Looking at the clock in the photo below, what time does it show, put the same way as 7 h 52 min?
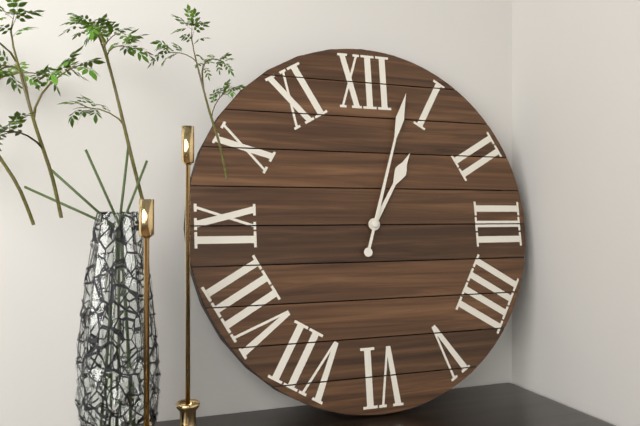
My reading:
1 h 03 min
